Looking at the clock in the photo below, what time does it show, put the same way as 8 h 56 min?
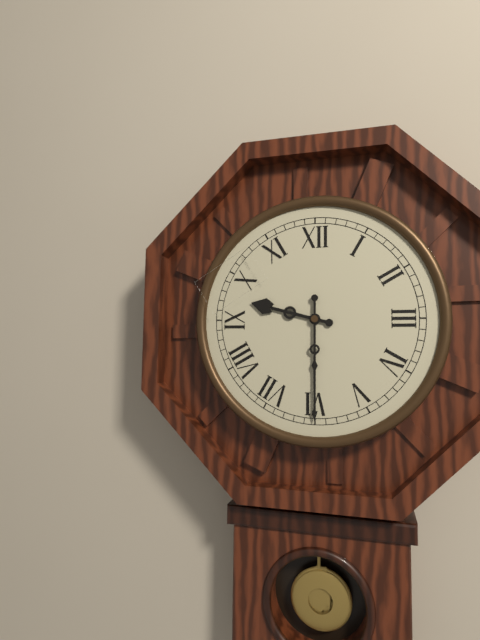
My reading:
9 h 30 min
